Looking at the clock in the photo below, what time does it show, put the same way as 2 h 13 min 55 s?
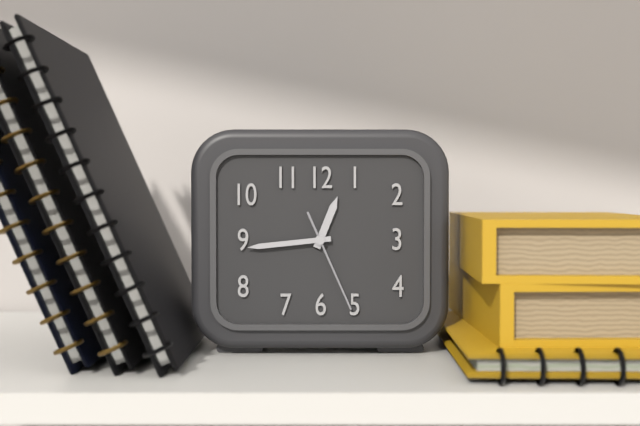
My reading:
12 h 44 min 26 s
